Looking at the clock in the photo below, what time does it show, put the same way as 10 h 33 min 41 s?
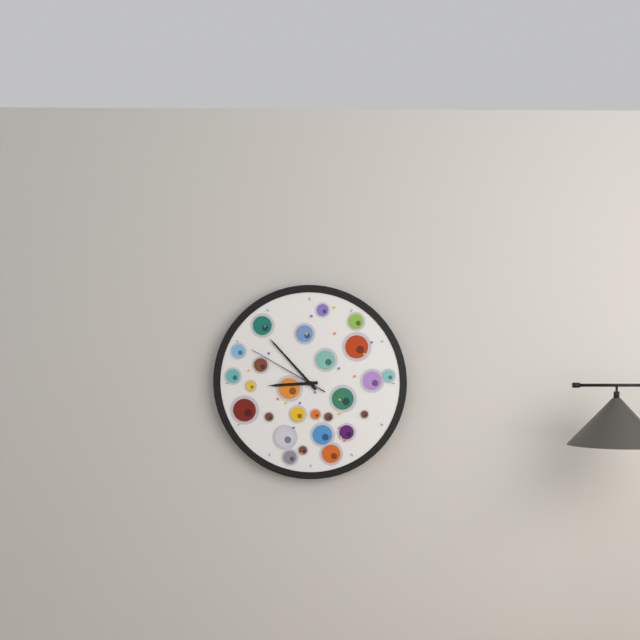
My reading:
8 h 53 min 50 s
